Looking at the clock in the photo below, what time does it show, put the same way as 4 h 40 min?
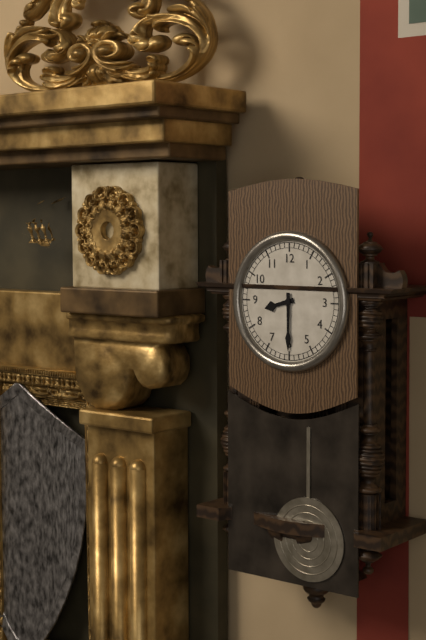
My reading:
8 h 30 min
